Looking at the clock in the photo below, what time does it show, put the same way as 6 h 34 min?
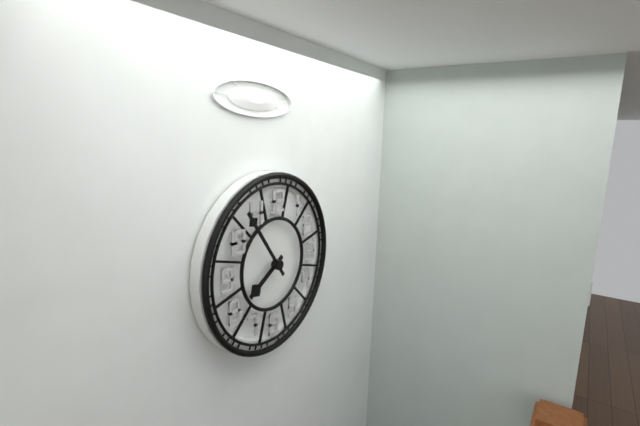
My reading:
7 h 54 min
